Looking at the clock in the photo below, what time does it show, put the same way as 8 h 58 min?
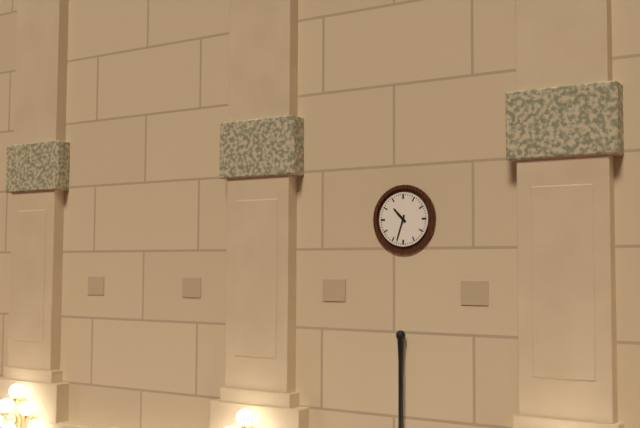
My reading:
10 h 33 min
